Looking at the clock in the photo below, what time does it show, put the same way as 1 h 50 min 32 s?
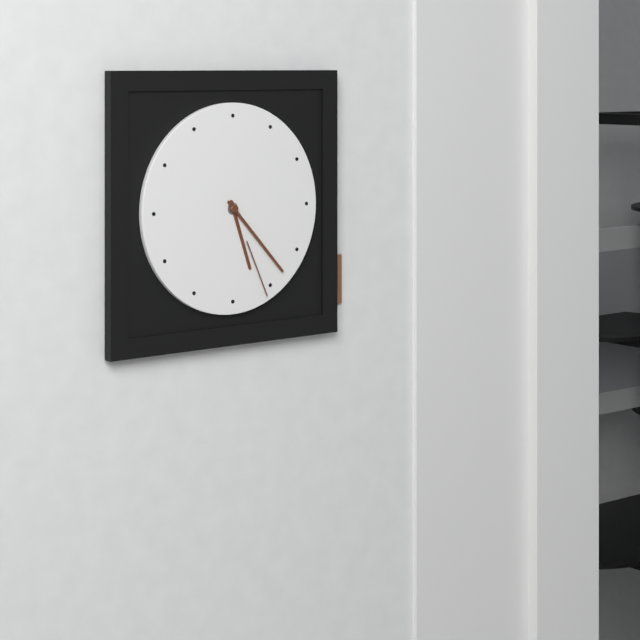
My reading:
5 h 23 min 26 s
